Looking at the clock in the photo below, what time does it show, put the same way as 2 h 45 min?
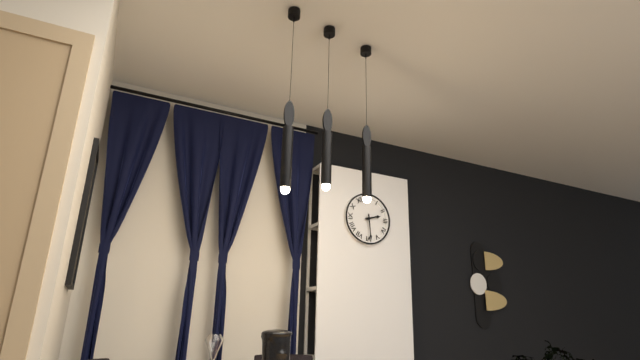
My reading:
2 h 29 min
